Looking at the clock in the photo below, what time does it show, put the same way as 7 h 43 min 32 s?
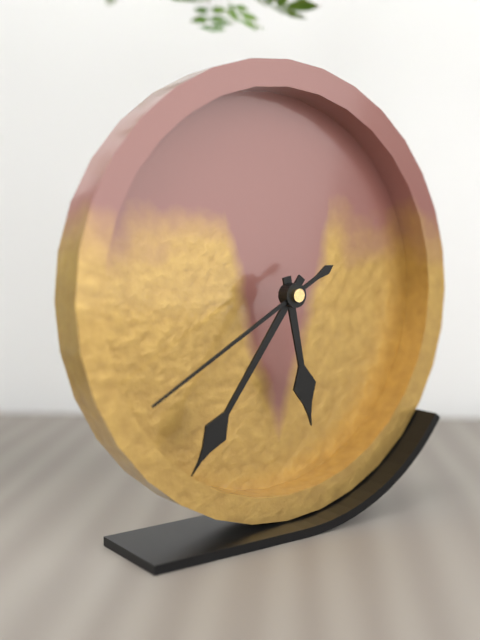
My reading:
5 h 36 min 40 s
